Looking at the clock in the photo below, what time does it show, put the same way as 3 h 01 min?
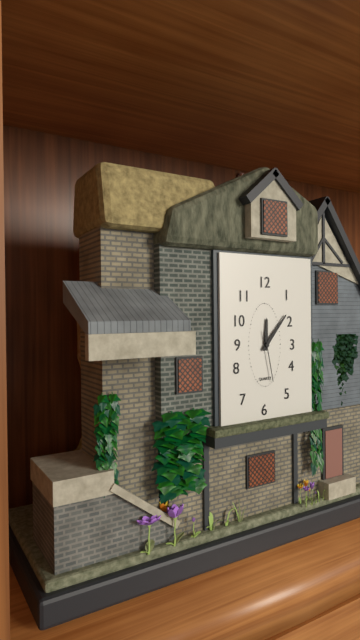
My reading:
12 h 07 min
